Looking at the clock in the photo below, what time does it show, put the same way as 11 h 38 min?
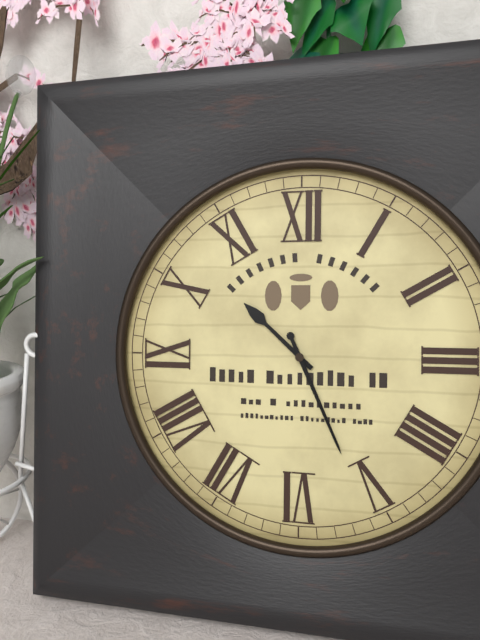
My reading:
10 h 26 min
